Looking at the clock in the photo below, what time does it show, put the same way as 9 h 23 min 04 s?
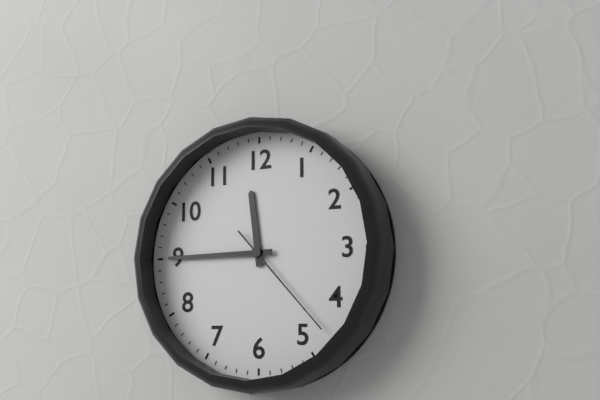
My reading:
11 h 45 min 23 s
